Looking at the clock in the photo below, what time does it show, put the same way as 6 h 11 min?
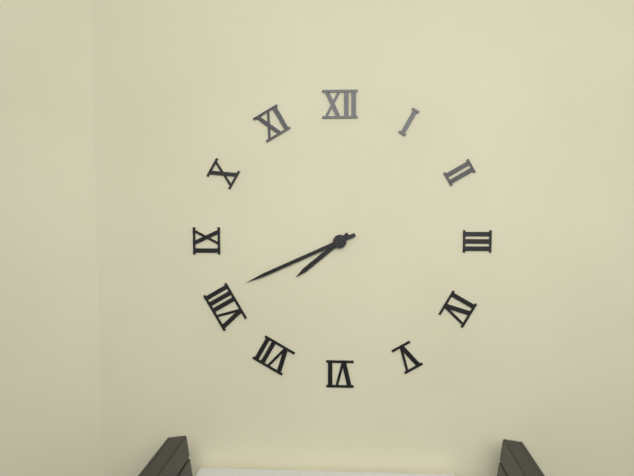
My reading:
7 h 41 min
